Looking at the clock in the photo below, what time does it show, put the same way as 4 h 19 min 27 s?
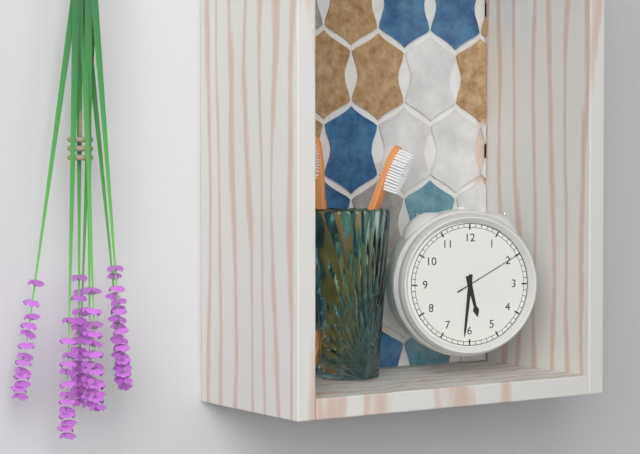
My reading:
5 h 31 min 10 s
